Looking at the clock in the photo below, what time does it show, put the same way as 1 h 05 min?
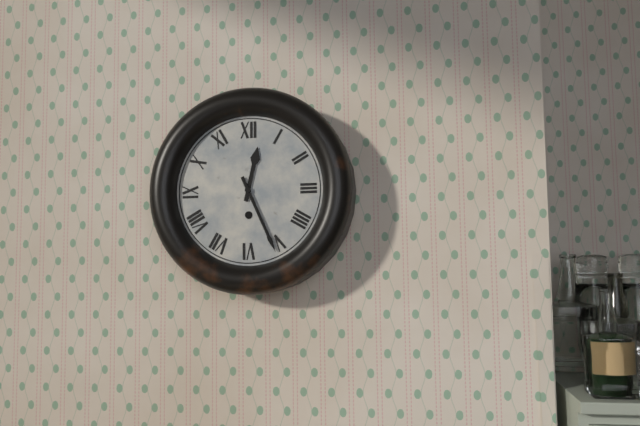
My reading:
12 h 26 min
